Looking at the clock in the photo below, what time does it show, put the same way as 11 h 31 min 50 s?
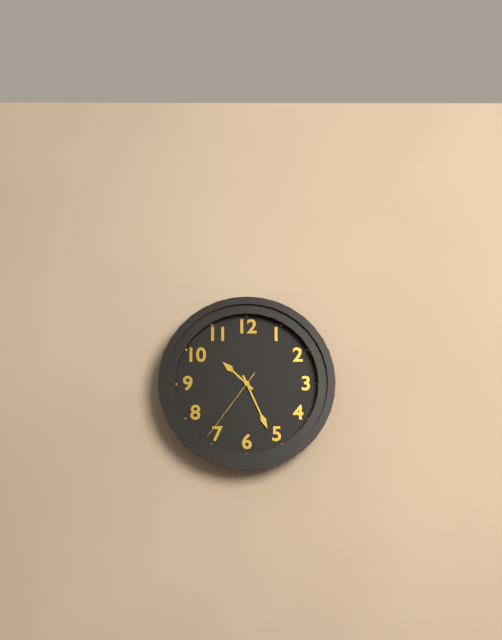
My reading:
10 h 26 min 36 s
